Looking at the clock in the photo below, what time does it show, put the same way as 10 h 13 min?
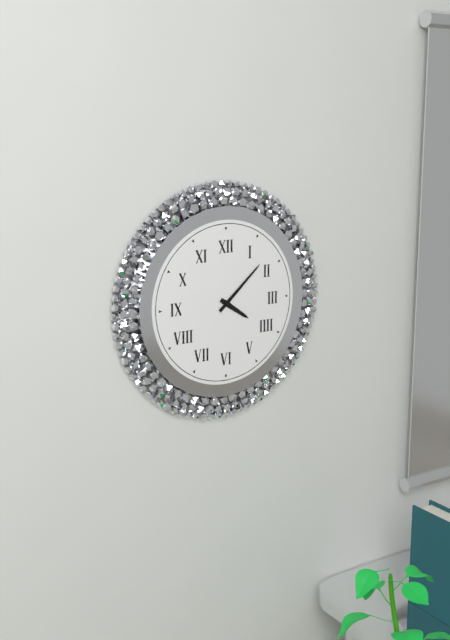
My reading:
4 h 08 min
